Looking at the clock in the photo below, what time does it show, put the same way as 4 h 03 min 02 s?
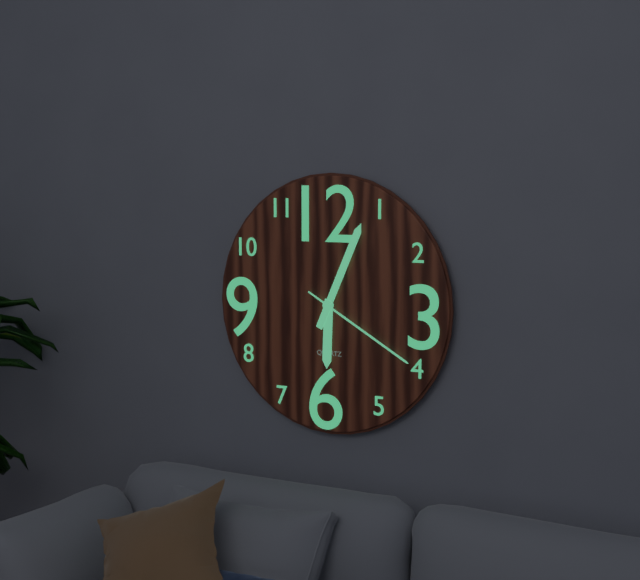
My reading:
6 h 04 min 20 s
